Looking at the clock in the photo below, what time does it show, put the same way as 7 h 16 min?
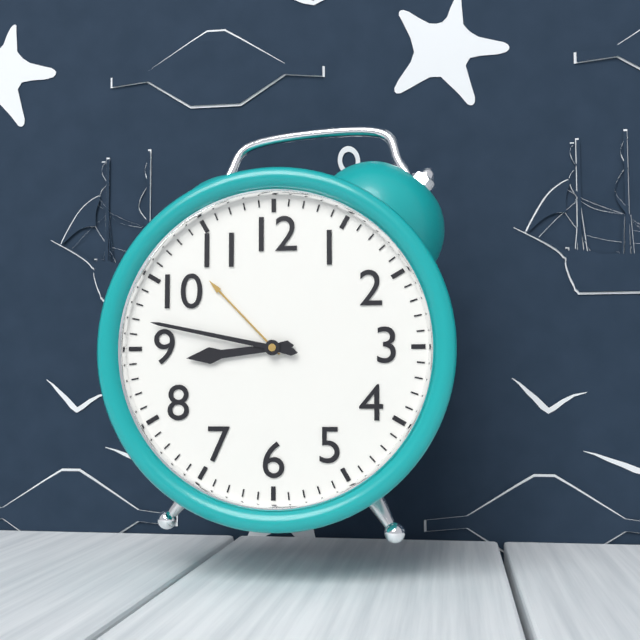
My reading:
8 h 47 min
